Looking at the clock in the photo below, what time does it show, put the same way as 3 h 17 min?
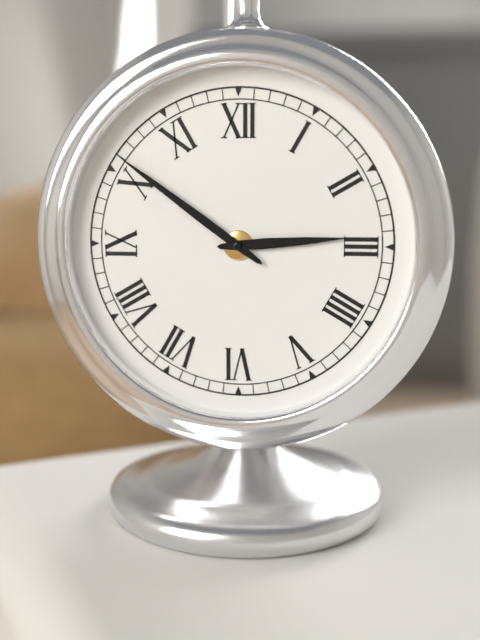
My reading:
2 h 51 min
